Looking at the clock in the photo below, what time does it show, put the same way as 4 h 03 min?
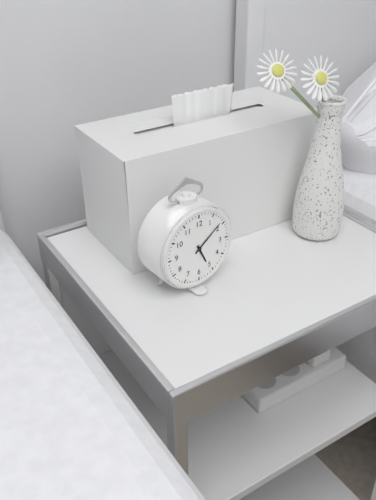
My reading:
5 h 09 min
